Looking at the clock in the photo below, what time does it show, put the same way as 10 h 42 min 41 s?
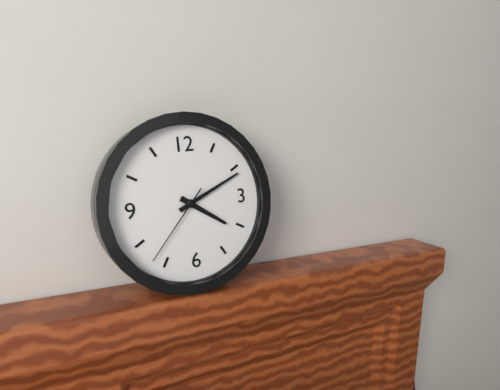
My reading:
4 h 11 min 37 s
